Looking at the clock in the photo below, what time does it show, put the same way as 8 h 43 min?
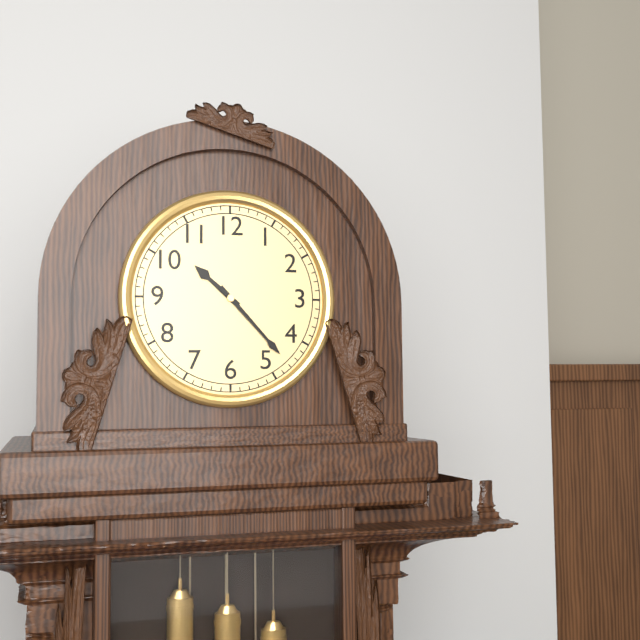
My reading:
10 h 23 min
